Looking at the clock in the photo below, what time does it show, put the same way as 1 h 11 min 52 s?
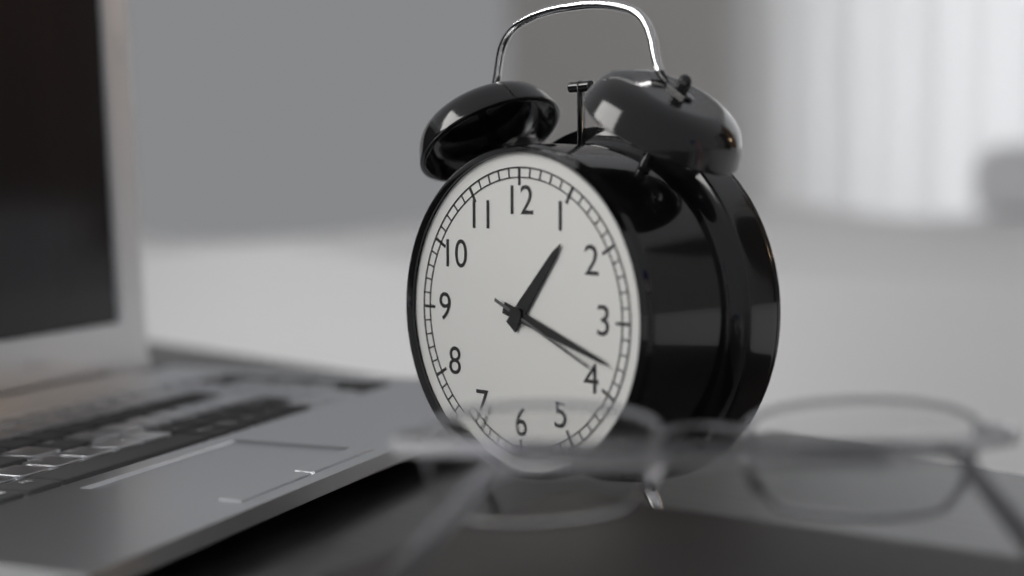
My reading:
1 h 18 min 19 s
